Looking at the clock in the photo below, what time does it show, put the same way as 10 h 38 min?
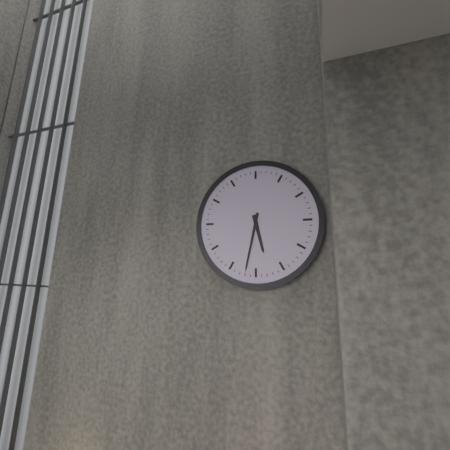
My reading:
5 h 32 min
